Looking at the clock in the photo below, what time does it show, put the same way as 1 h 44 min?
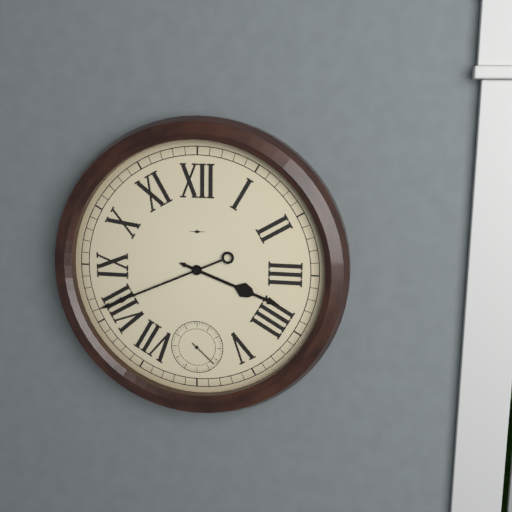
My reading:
3 h 41 min
